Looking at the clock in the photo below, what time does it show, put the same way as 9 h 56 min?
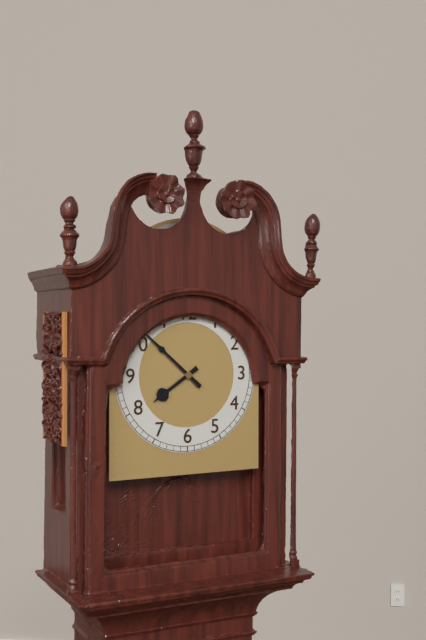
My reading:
7 h 52 min
